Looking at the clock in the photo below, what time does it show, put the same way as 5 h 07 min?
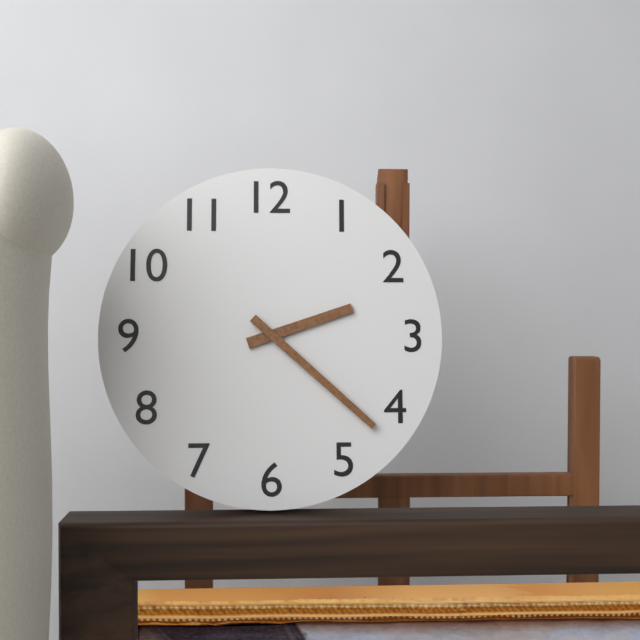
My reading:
2 h 22 min
